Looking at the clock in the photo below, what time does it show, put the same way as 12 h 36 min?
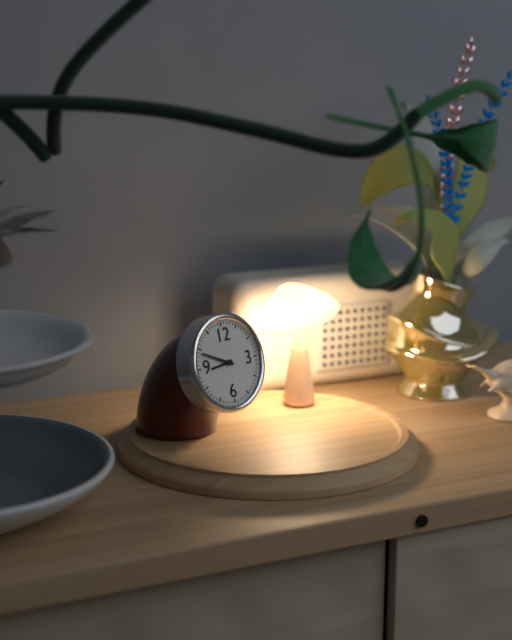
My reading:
8 h 49 min
